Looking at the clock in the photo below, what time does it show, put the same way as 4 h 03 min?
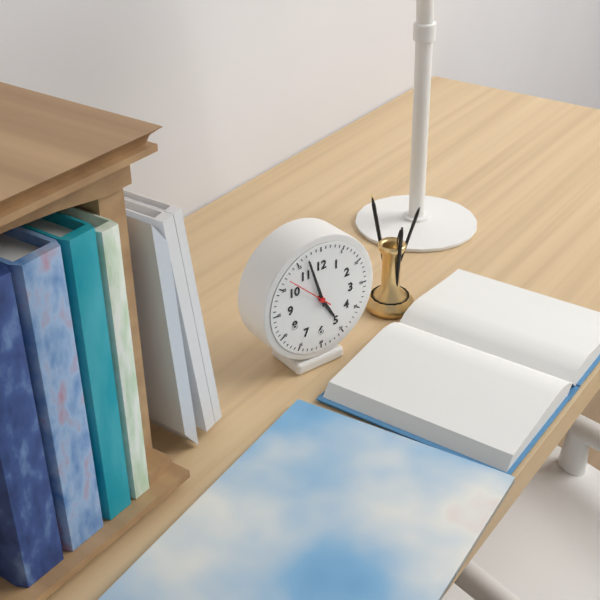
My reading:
4 h 57 min
